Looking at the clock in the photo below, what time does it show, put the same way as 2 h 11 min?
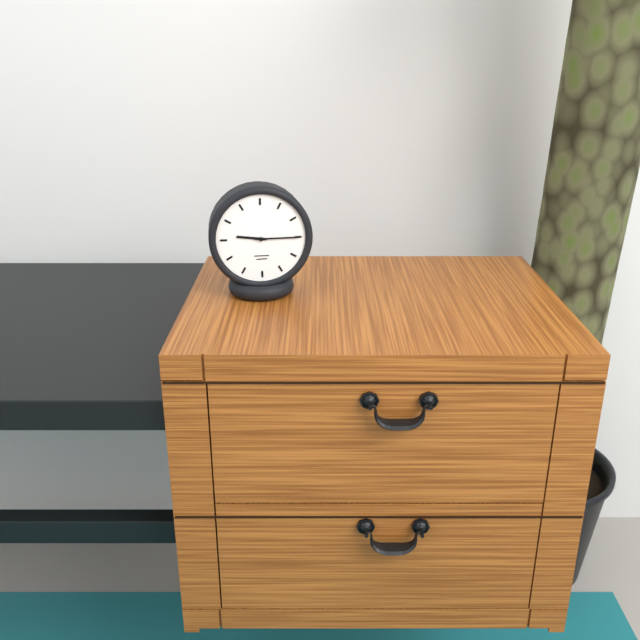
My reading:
9 h 15 min
